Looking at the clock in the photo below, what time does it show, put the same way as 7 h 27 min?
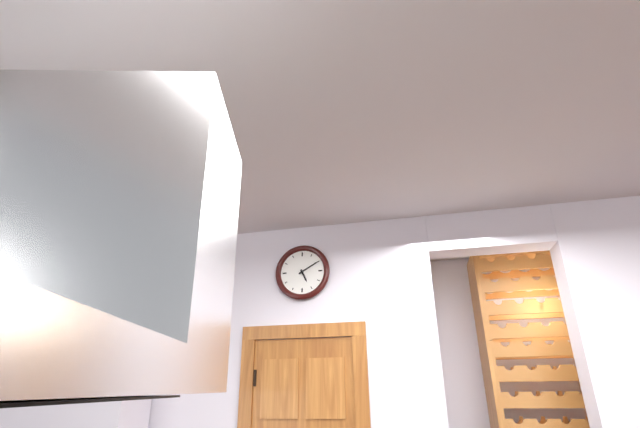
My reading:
5 h 10 min
